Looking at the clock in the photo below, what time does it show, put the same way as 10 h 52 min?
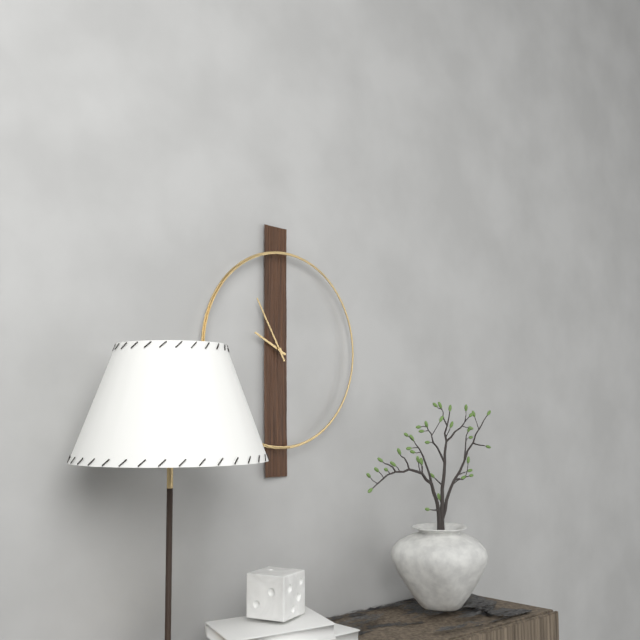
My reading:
9 h 55 min
